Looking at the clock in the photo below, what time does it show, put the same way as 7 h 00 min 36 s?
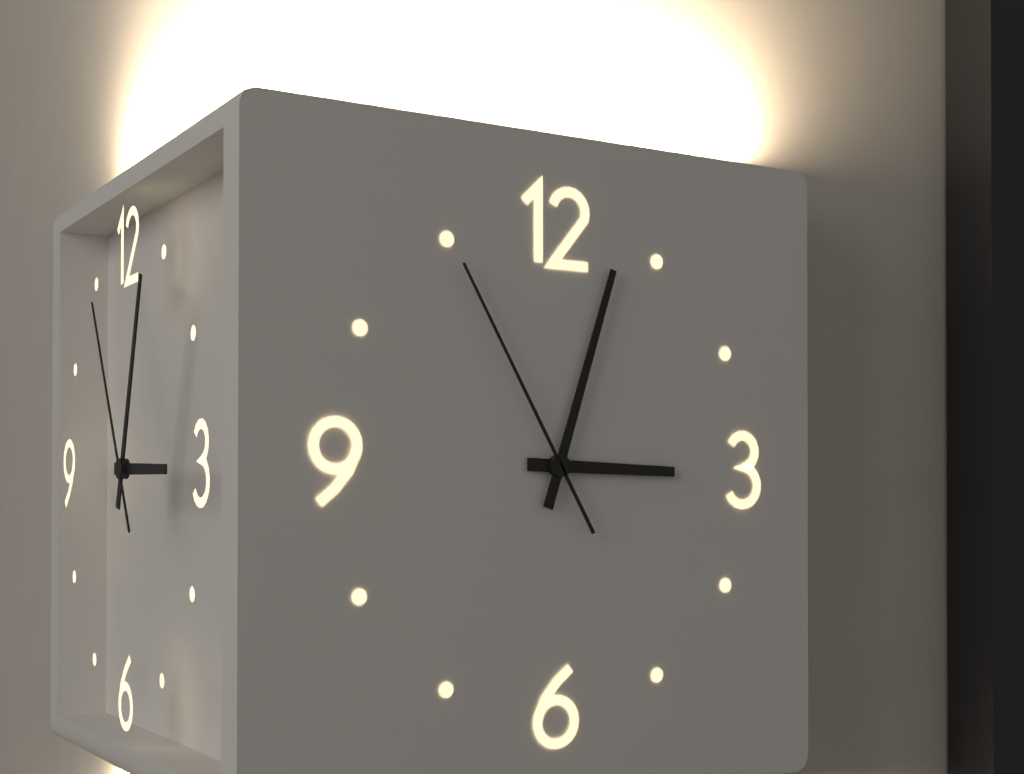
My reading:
3 h 03 min 55 s
